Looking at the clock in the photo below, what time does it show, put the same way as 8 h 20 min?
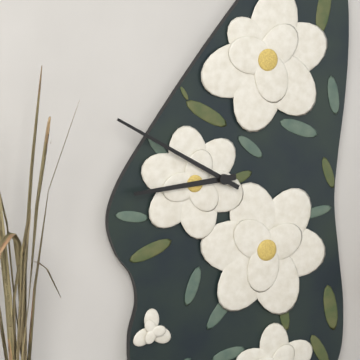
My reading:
8 h 50 min
